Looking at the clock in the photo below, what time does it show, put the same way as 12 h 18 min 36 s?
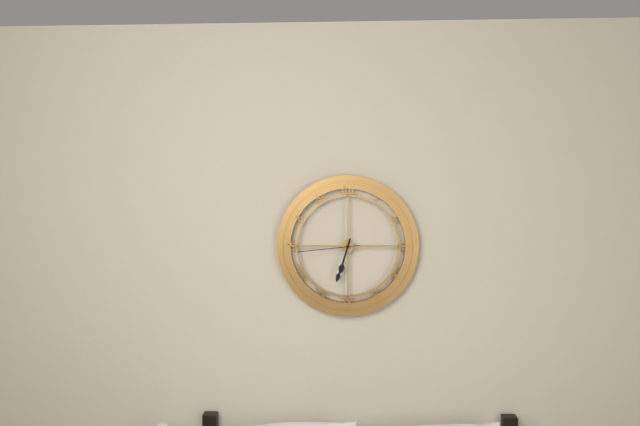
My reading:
6 h 33 min 44 s
